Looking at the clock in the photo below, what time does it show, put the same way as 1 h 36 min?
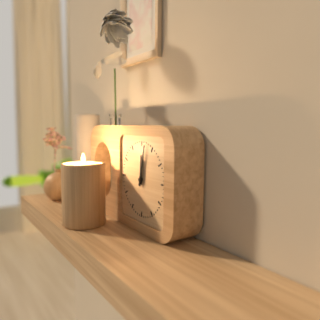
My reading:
12 h 02 min
